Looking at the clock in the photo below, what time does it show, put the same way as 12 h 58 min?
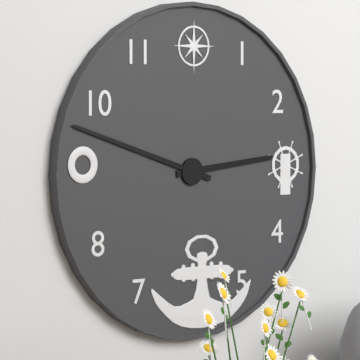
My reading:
2 h 48 min
